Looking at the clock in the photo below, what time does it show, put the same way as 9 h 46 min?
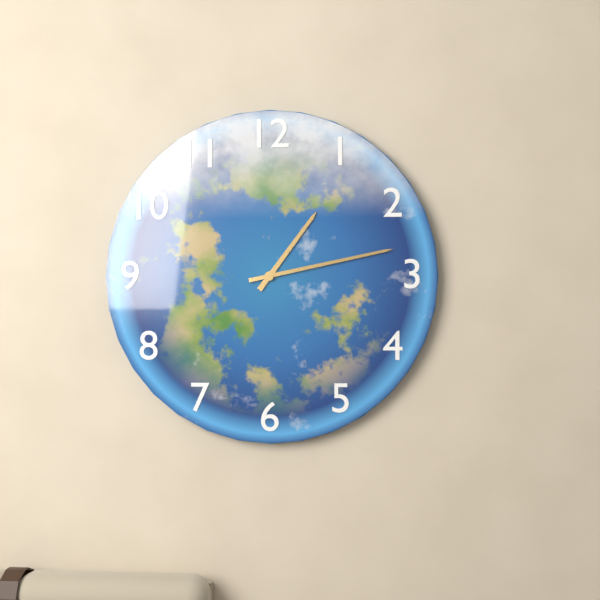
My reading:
1 h 13 min
